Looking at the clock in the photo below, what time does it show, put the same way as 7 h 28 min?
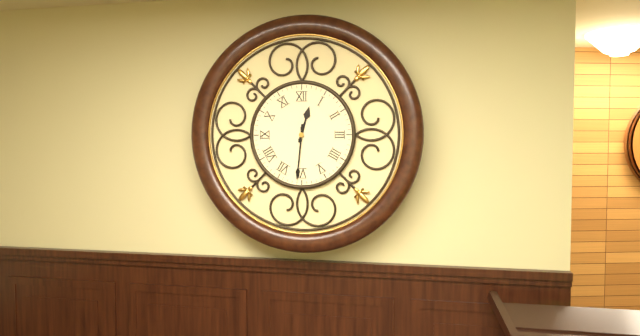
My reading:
12 h 31 min
